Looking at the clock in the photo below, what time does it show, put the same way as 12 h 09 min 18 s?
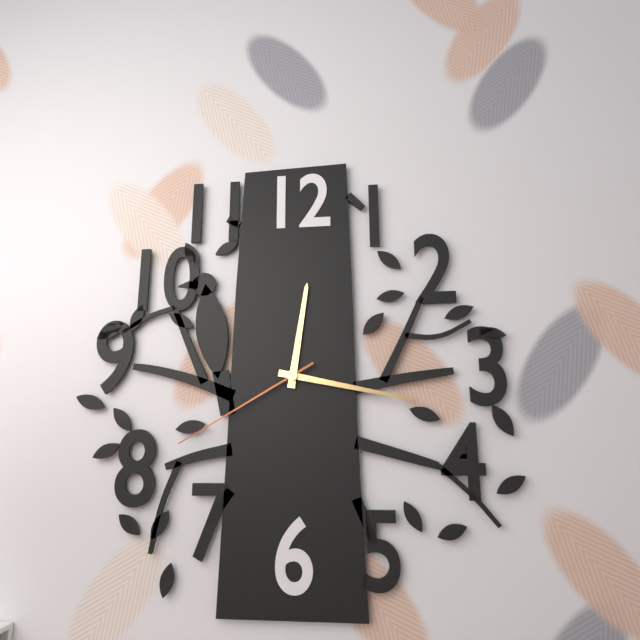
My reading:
12 h 17 min 40 s
